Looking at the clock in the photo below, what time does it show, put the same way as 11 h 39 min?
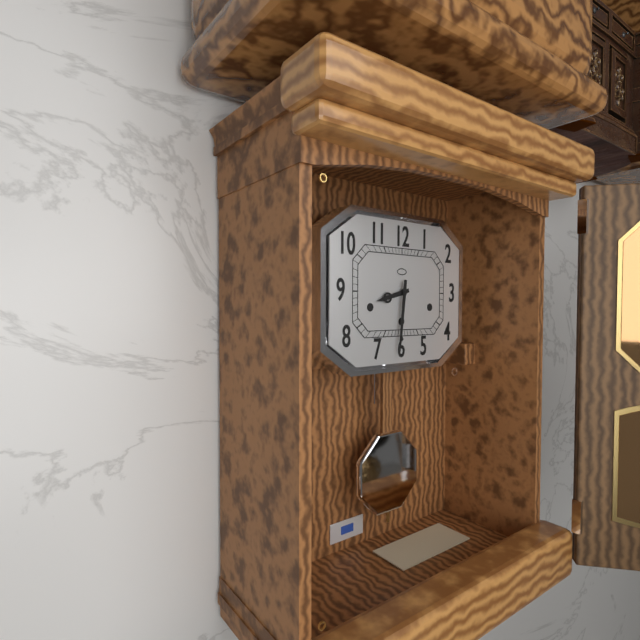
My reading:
8 h 31 min
